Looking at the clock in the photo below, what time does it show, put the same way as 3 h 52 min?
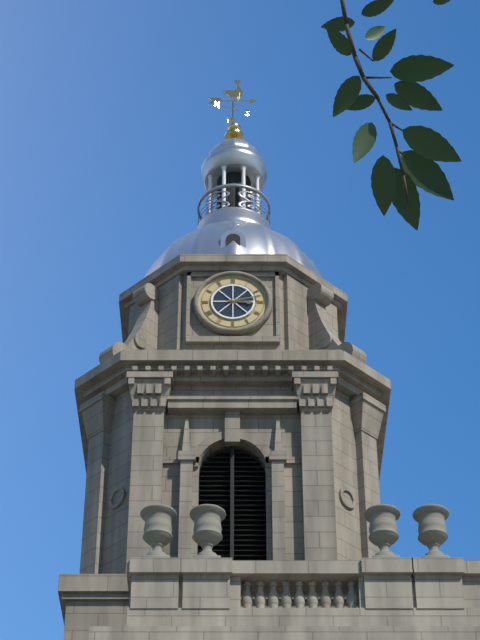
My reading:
3 h 13 min
